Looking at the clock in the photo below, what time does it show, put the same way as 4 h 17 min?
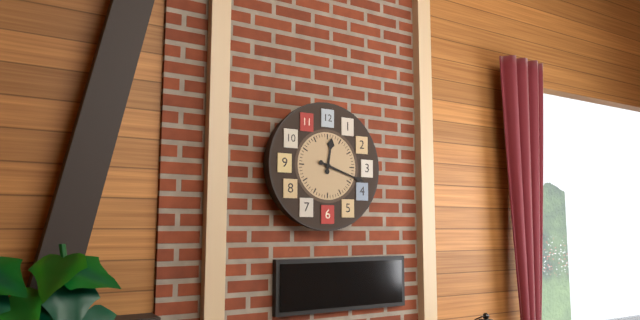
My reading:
12 h 18 min
